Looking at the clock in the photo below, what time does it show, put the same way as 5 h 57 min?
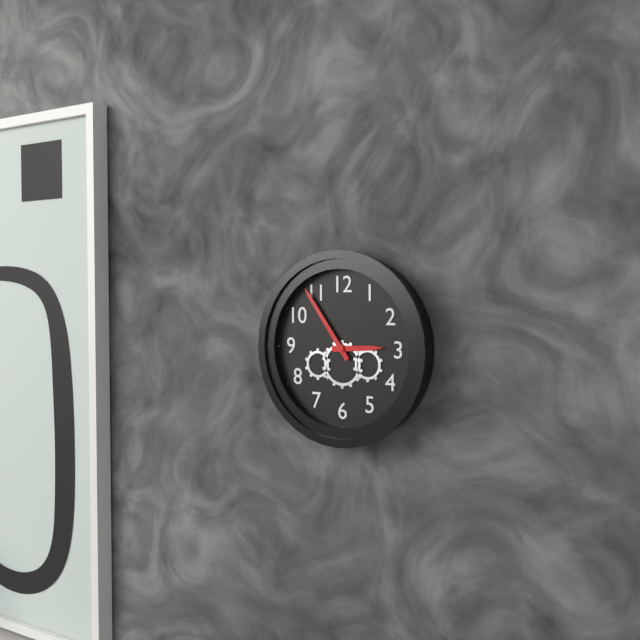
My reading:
2 h 54 min
